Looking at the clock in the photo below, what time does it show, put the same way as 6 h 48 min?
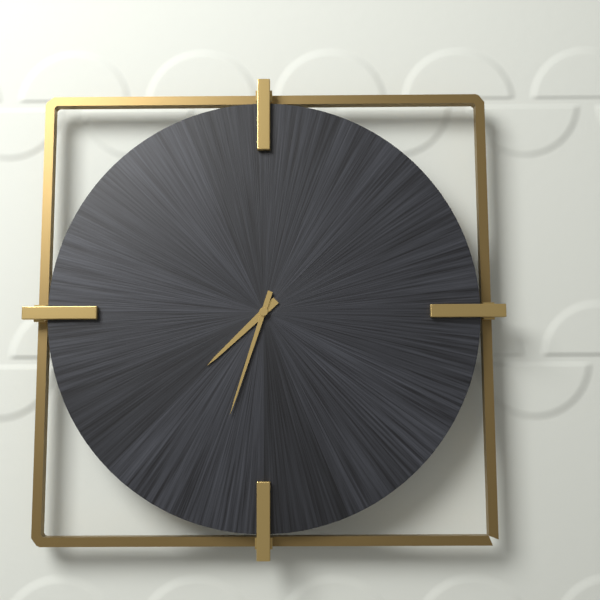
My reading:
7 h 33 min
